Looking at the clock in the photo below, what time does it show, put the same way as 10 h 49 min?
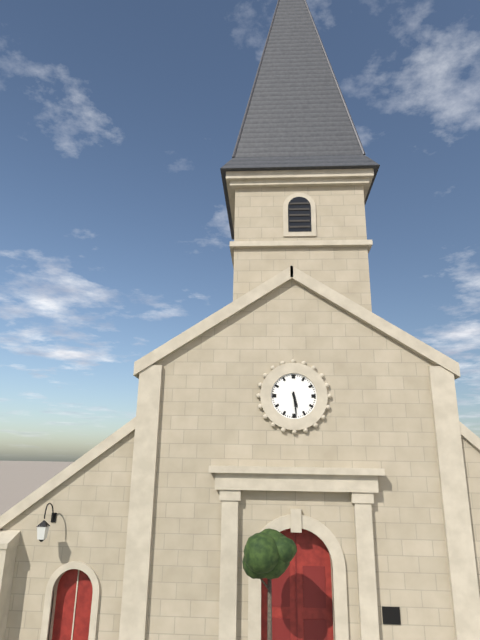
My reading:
5 h 29 min
